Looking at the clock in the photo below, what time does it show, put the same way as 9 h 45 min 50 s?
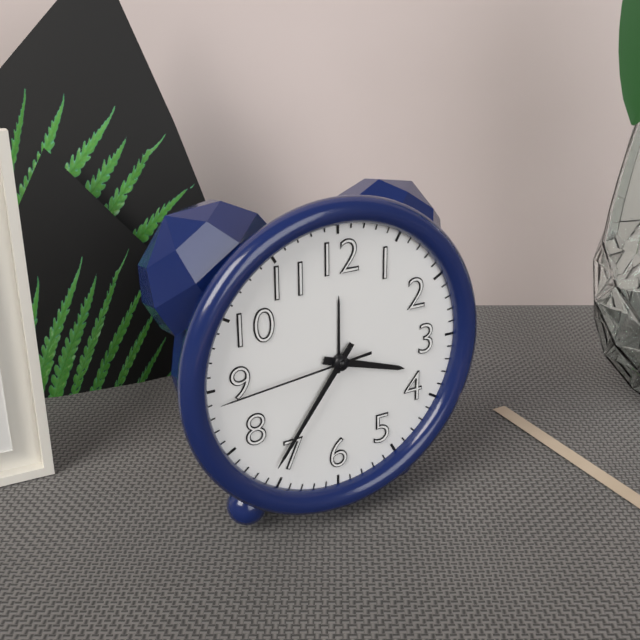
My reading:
3 h 36 min 44 s
